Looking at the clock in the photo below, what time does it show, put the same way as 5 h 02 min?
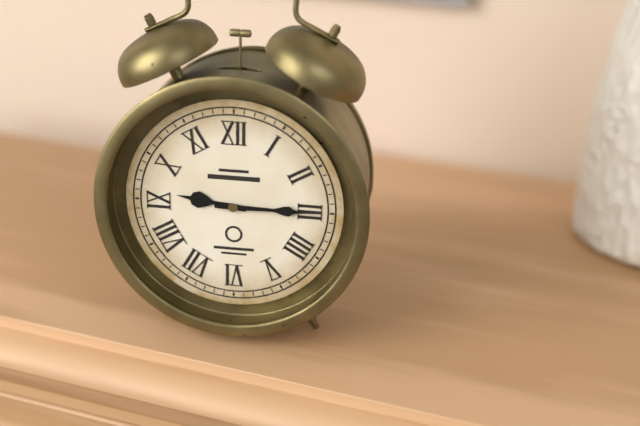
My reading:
9 h 15 min
